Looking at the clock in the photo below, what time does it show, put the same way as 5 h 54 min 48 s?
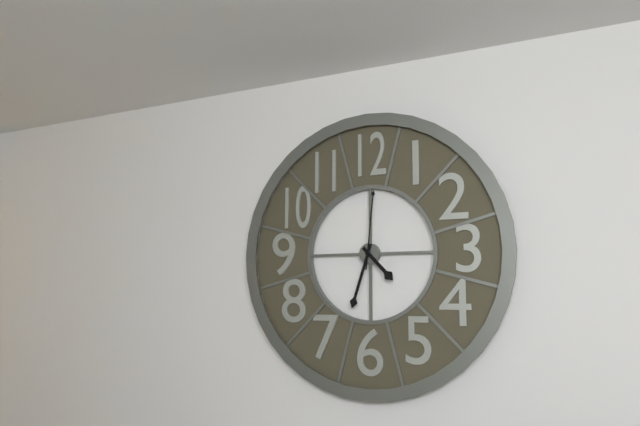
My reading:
4 h 33 min 01 s
